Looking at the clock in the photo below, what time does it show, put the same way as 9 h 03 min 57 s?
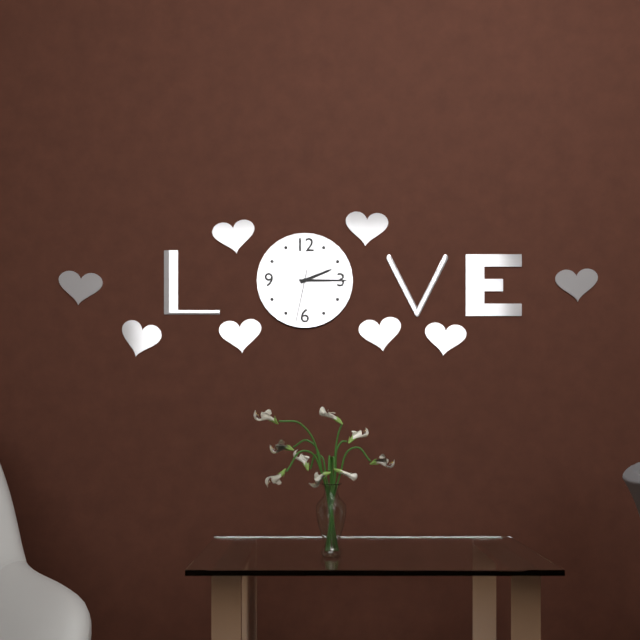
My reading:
2 h 15 min 32 s
